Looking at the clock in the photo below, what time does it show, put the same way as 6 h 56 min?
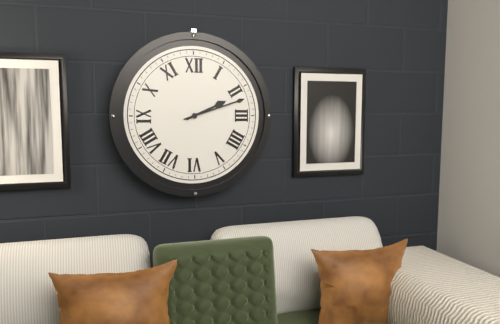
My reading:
2 h 12 min
